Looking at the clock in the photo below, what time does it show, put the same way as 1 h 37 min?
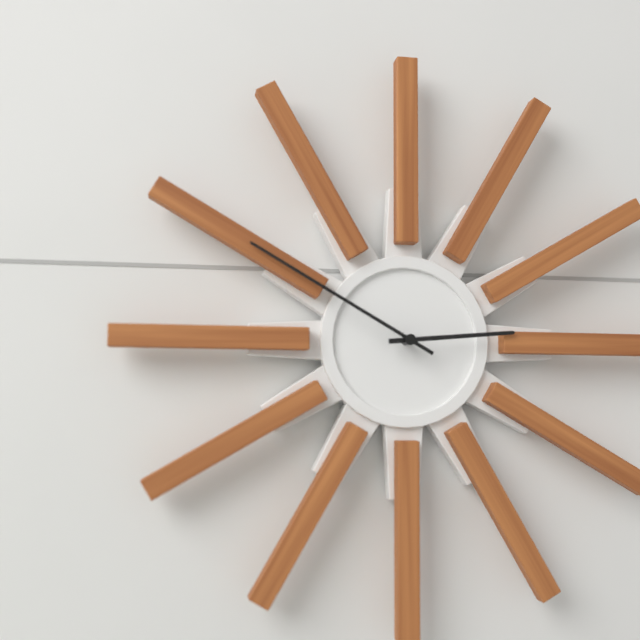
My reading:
2 h 50 min
